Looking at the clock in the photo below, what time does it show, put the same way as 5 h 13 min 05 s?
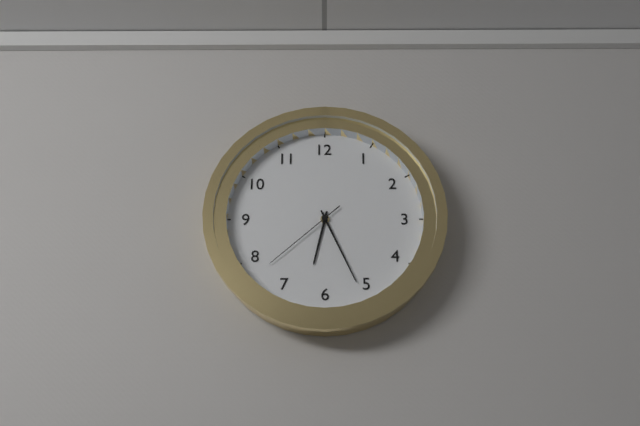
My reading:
6 h 26 min 38 s
